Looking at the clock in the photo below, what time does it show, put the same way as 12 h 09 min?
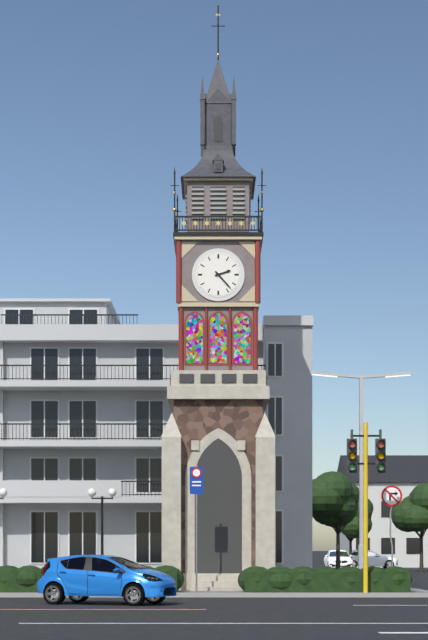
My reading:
2 h 23 min
